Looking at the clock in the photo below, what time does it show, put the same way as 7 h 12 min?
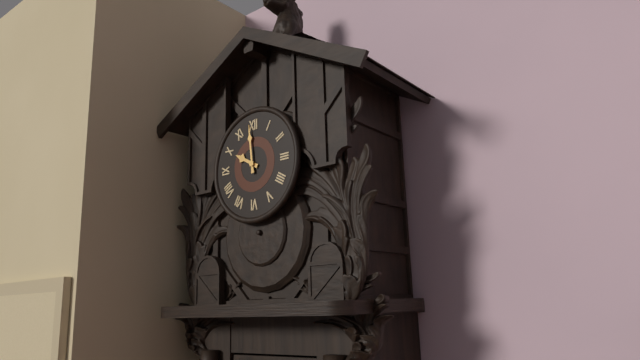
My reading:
9 h 59 min
